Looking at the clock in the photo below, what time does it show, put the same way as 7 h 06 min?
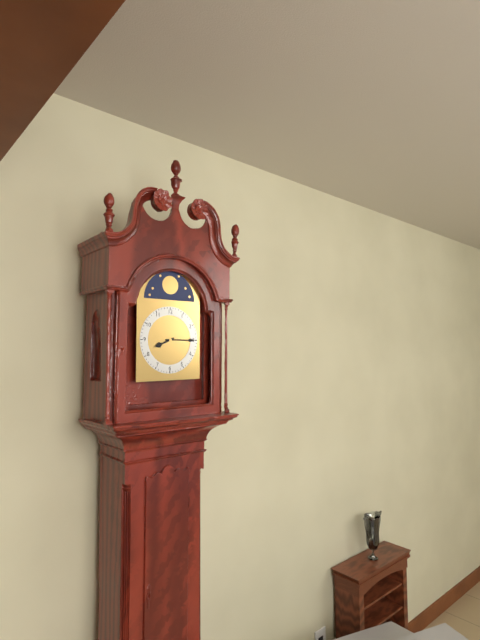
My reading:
8 h 15 min
